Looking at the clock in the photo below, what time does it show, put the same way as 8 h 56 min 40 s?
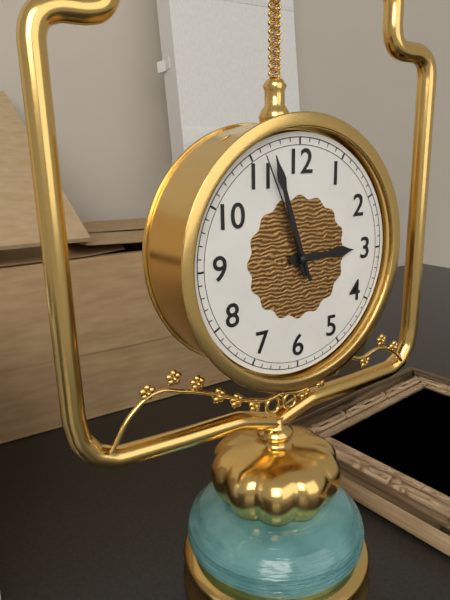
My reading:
2 h 57 min 56 s
